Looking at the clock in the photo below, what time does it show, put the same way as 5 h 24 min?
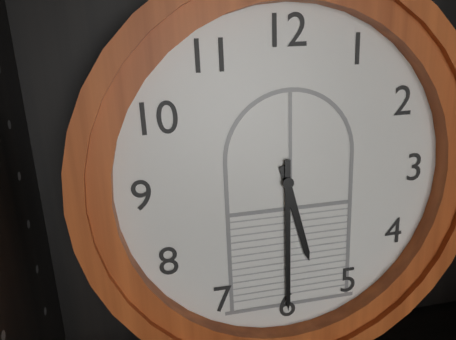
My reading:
5 h 30 min
